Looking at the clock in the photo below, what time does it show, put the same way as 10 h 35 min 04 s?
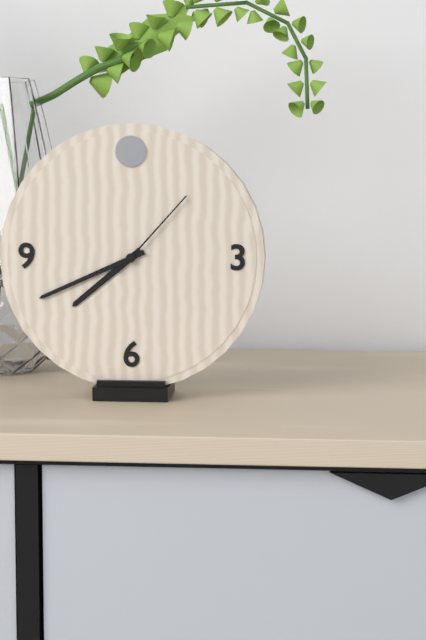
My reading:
7 h 41 min 07 s
